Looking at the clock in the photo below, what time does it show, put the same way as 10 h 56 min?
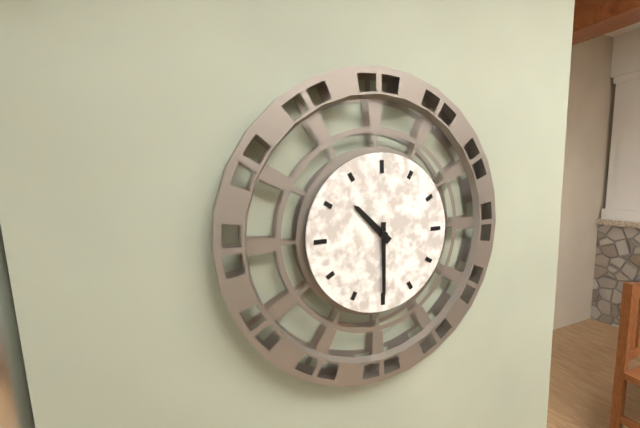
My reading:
10 h 30 min
